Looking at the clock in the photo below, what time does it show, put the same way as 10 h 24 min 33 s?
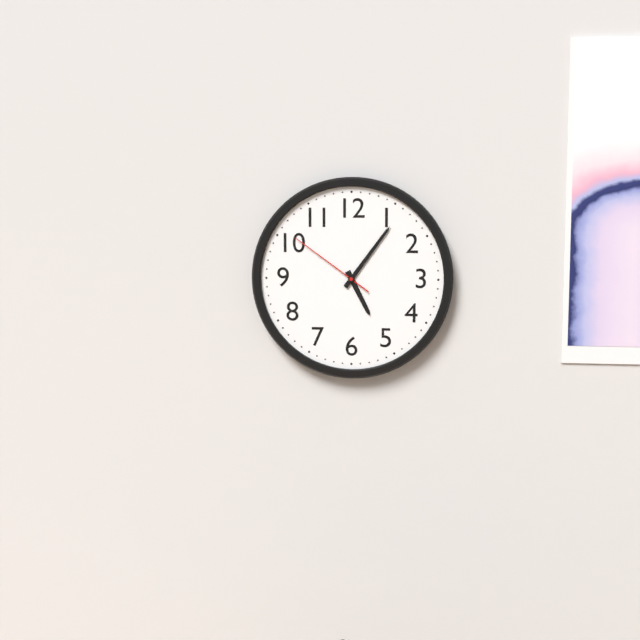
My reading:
5 h 06 min 51 s
